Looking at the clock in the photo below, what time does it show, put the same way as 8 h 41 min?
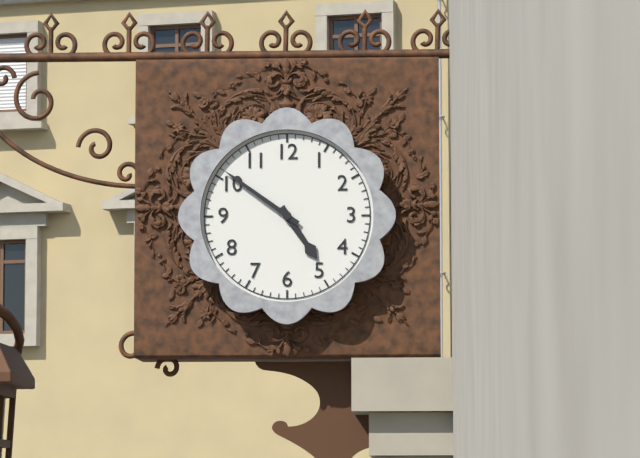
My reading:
4 h 51 min
